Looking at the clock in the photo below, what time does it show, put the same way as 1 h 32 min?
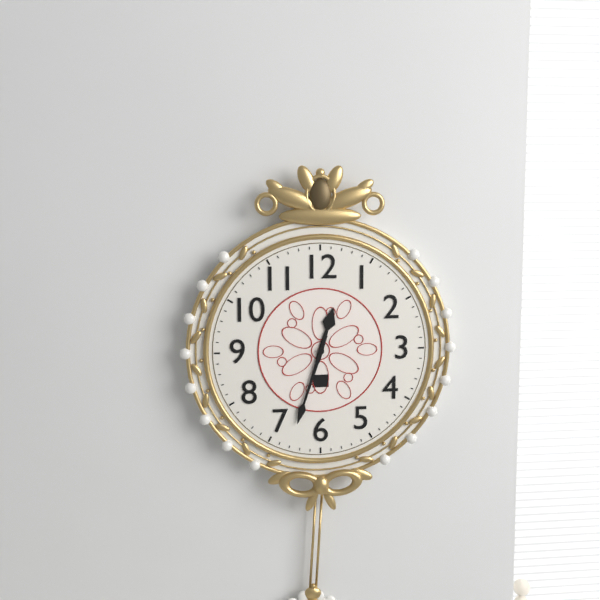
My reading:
12 h 33 min
